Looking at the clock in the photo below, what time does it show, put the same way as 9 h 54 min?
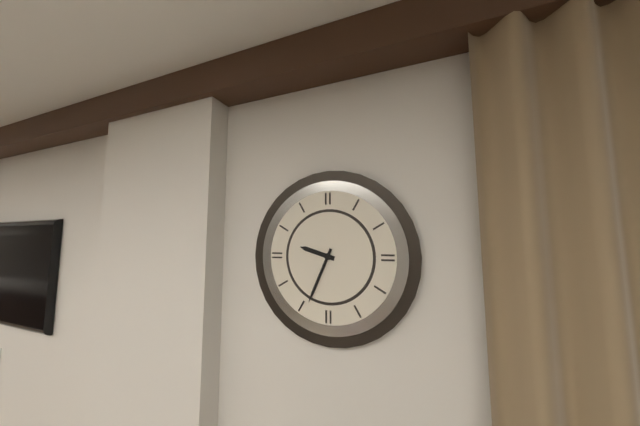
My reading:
9 h 34 min
